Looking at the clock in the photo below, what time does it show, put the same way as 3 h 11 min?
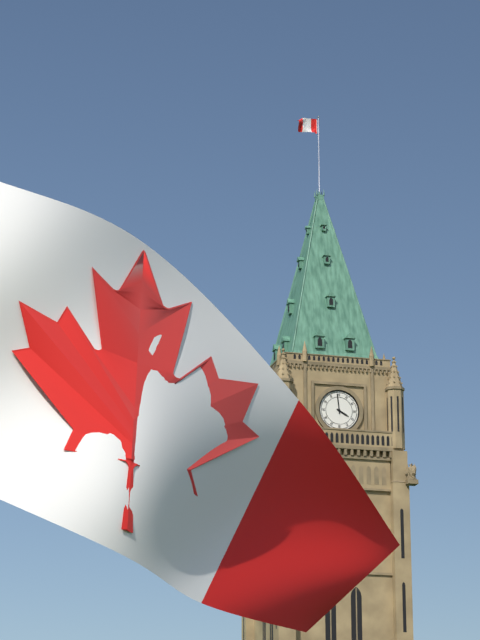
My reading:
3 h 59 min
